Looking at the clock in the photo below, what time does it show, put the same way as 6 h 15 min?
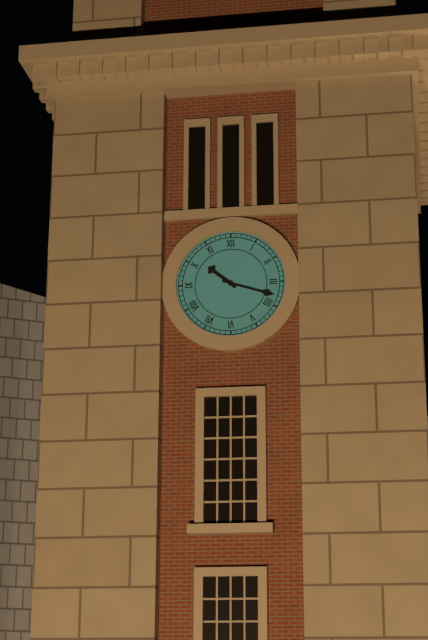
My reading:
10 h 18 min
